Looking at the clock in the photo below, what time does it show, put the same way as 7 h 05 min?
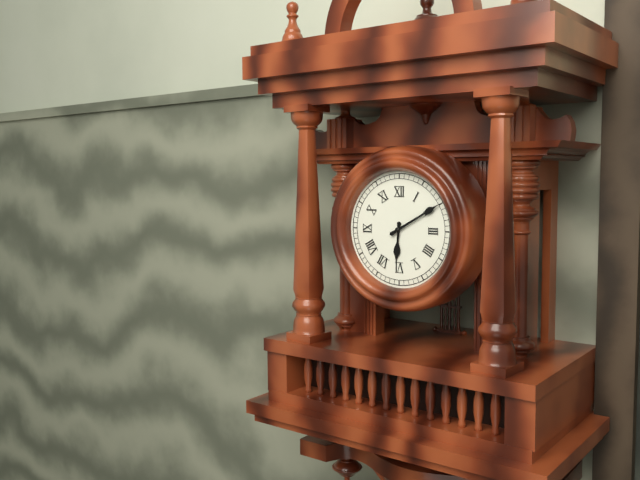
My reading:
6 h 10 min
